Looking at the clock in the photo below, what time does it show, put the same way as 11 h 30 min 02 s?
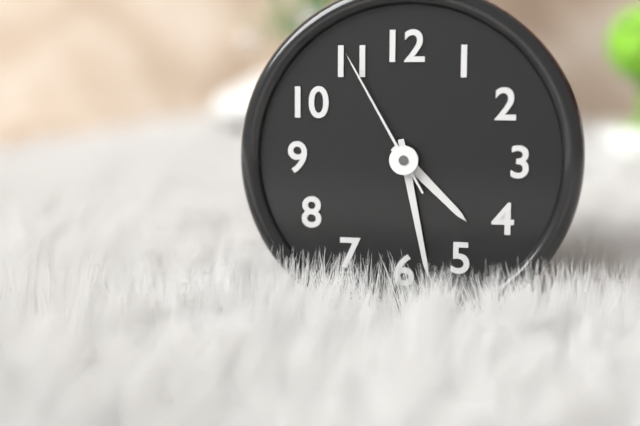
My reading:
4 h 28 min 55 s
